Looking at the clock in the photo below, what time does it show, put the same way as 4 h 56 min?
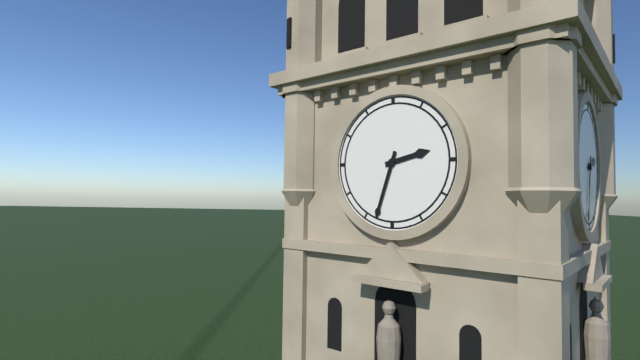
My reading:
2 h 33 min
